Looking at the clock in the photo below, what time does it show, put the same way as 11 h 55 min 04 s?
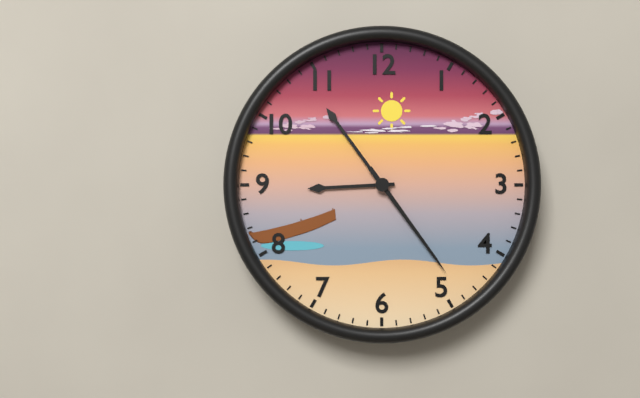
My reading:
8 h 54 min 24 s
